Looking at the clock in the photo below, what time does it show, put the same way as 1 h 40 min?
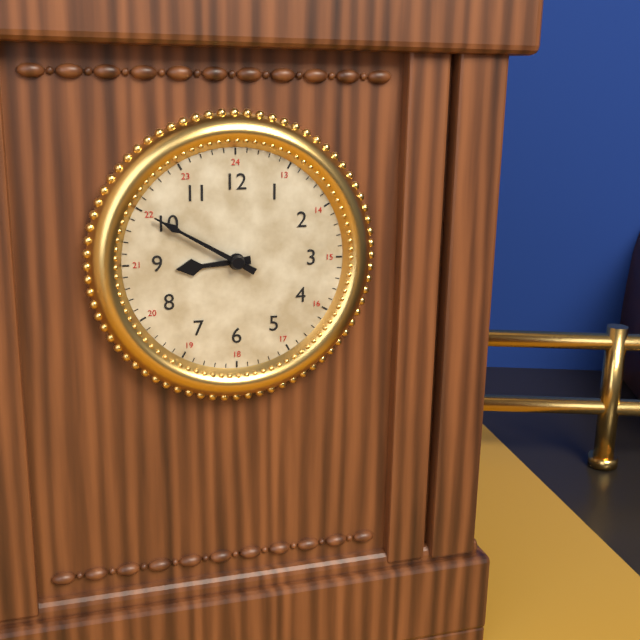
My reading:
8 h 50 min
